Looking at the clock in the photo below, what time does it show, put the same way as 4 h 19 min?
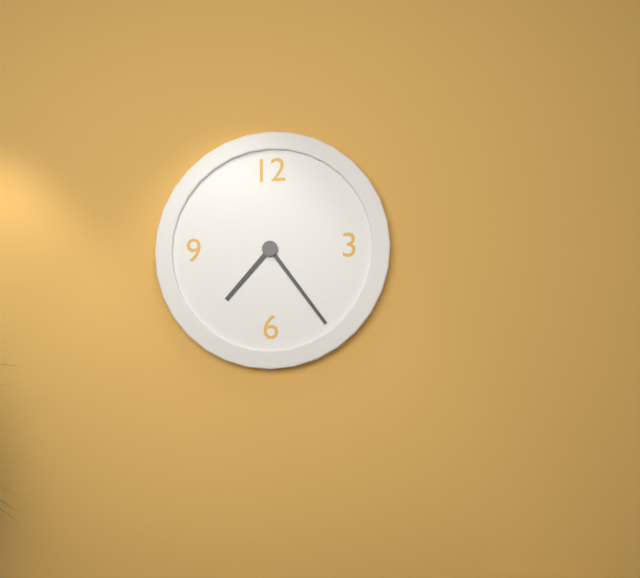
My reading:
7 h 24 min
